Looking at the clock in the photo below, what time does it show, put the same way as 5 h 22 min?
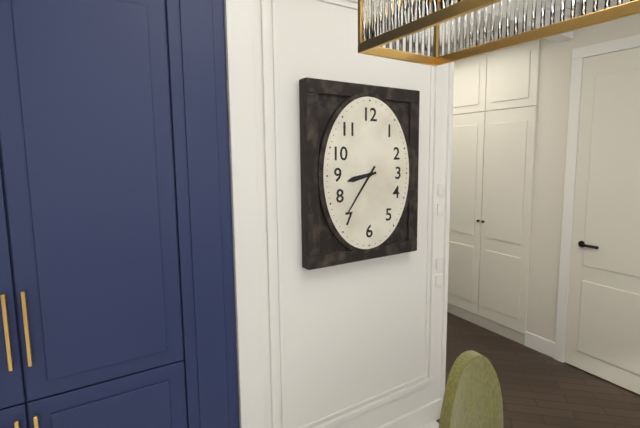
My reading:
8 h 36 min
